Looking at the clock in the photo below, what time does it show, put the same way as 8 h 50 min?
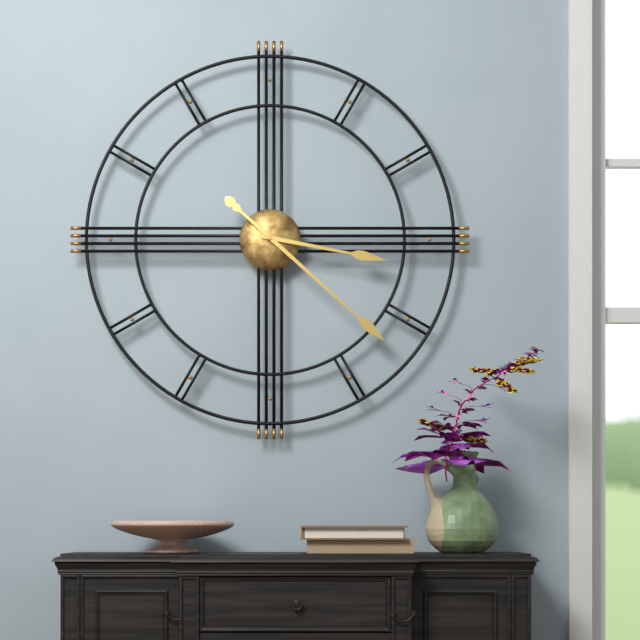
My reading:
3 h 22 min
